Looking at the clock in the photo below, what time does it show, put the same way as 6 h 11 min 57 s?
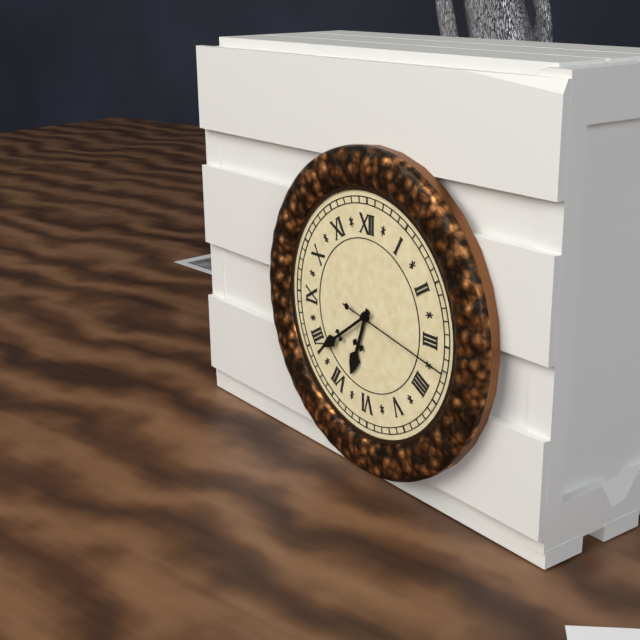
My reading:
6 h 39 min 17 s
